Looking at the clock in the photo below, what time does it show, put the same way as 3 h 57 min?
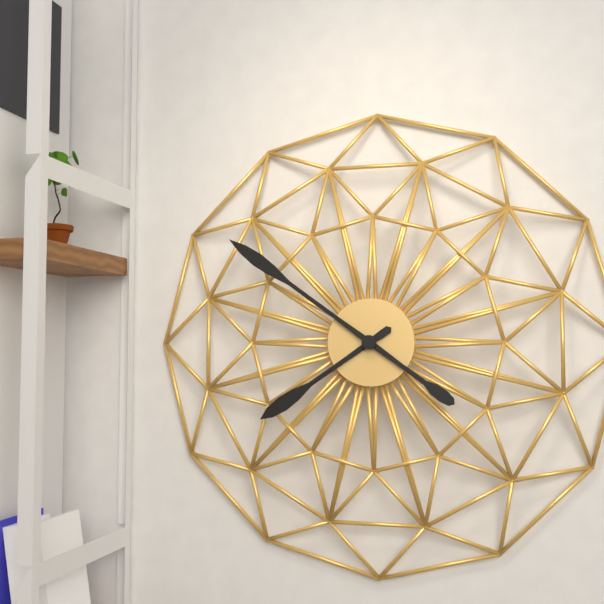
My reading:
7 h 51 min
